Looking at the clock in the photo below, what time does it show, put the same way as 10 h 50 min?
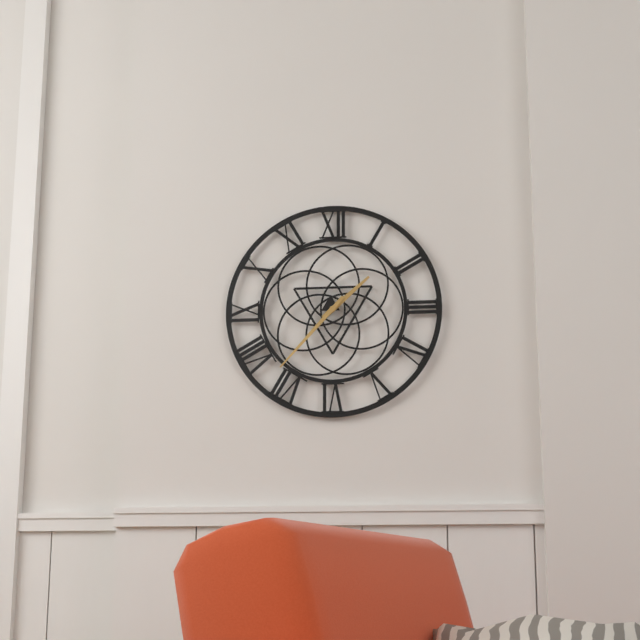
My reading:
1 h 37 min
